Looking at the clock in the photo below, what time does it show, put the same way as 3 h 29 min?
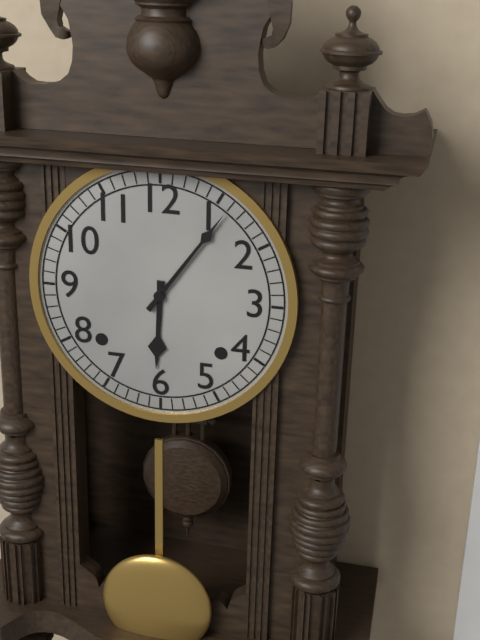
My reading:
6 h 06 min
